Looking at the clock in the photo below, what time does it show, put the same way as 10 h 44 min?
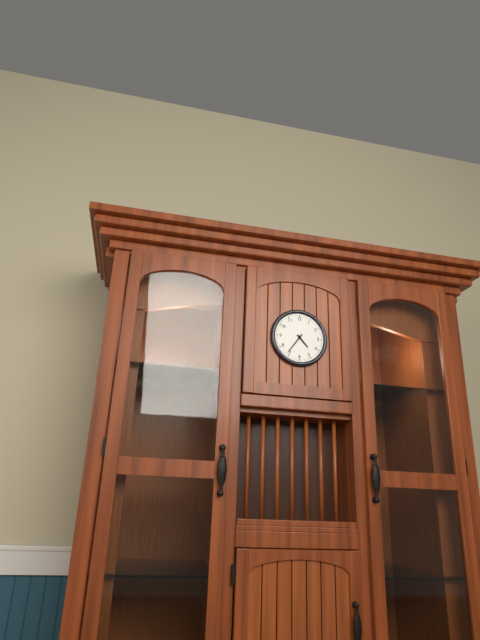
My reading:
4 h 36 min
